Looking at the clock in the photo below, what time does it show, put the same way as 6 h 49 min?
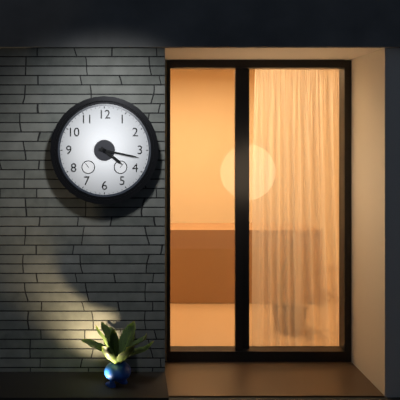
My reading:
4 h 17 min
